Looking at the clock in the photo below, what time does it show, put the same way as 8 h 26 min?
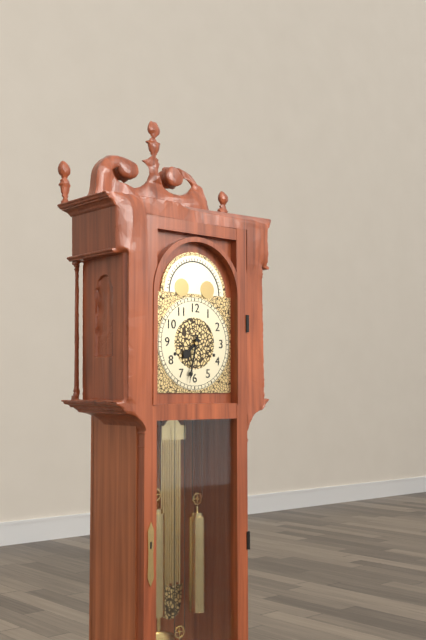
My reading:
7 h 32 min
